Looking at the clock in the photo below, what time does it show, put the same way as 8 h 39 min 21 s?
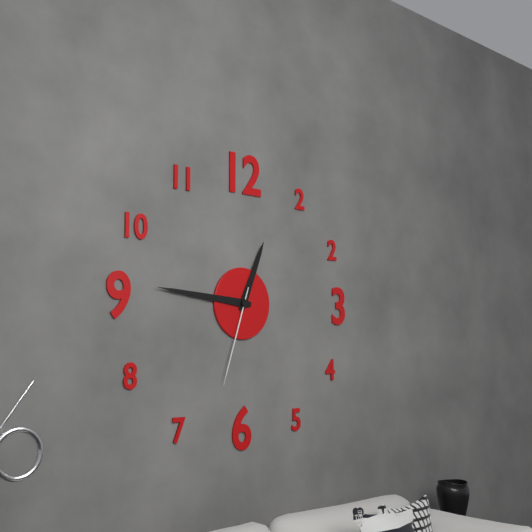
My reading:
12 h 46 min 33 s
